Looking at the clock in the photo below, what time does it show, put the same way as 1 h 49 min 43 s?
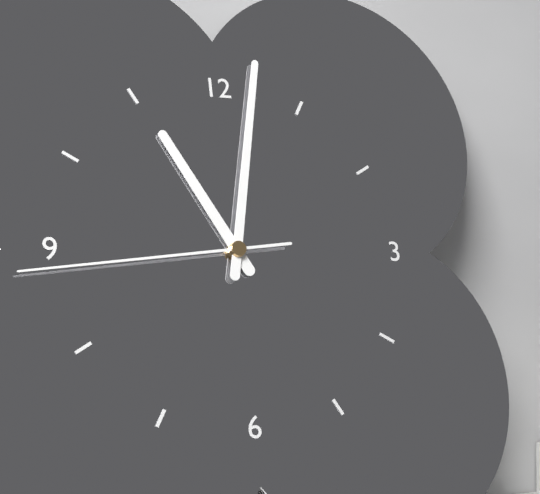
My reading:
11 h 02 min 44 s
